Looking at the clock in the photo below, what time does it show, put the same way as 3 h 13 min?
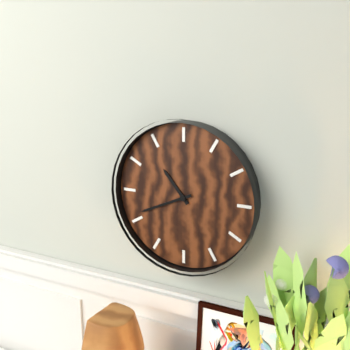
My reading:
10 h 41 min
